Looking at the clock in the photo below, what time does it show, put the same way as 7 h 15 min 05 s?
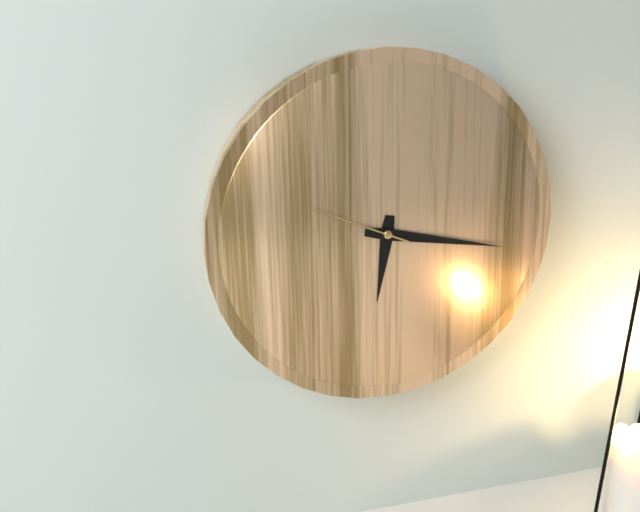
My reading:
6 h 17 min 49 s
